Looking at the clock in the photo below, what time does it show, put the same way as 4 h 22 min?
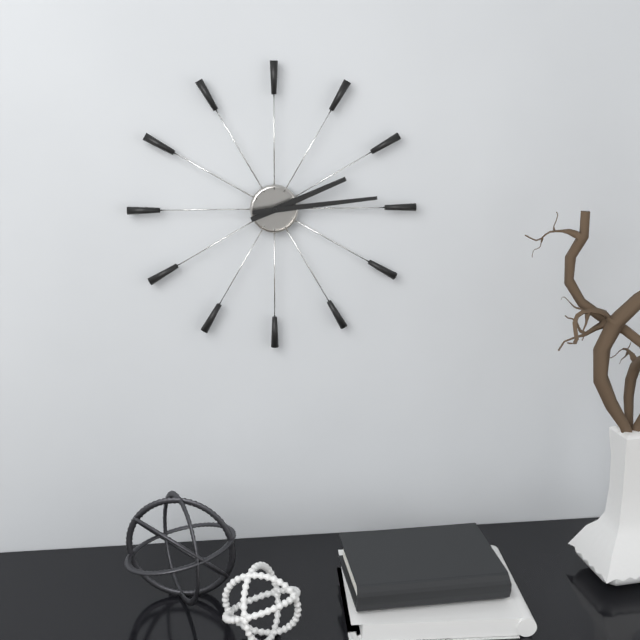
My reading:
2 h 14 min
